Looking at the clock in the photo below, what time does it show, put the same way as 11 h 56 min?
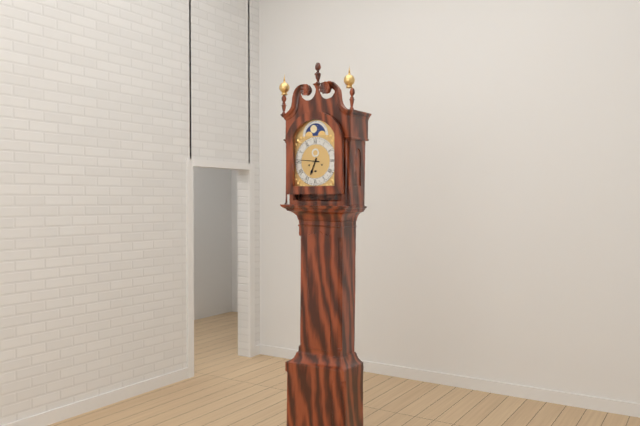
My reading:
6 h 46 min
